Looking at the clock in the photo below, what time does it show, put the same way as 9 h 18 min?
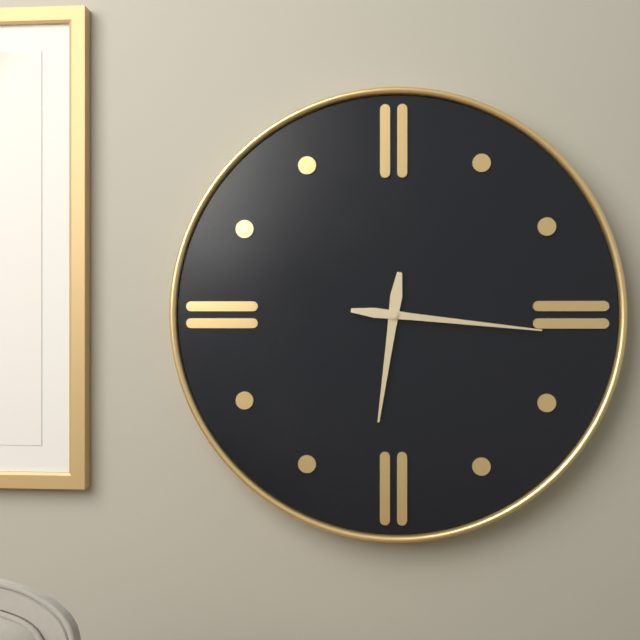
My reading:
6 h 16 min
